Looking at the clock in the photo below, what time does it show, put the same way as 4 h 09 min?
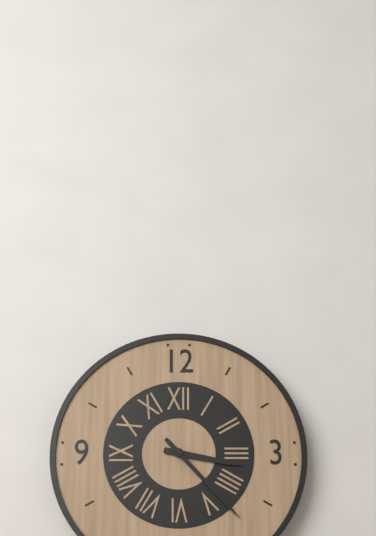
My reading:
3 h 23 min
